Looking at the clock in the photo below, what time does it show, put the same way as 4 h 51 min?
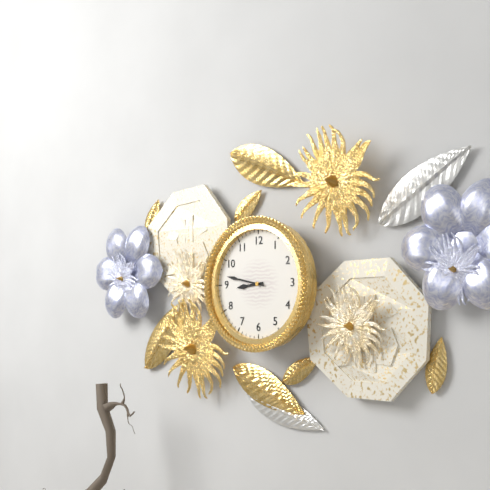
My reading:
8 h 47 min
